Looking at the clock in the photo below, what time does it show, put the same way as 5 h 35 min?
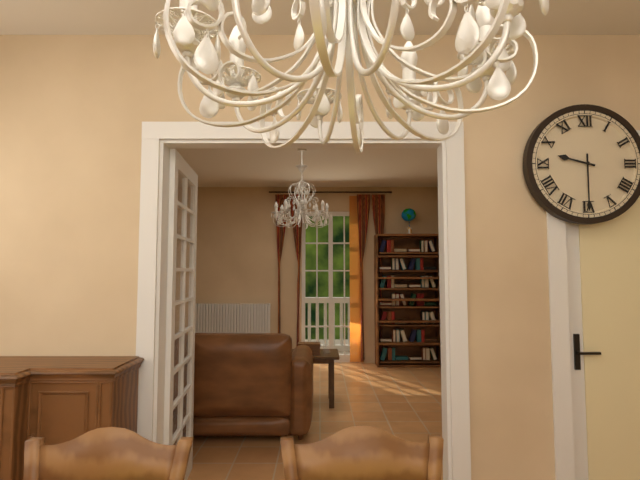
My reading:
9 h 30 min
